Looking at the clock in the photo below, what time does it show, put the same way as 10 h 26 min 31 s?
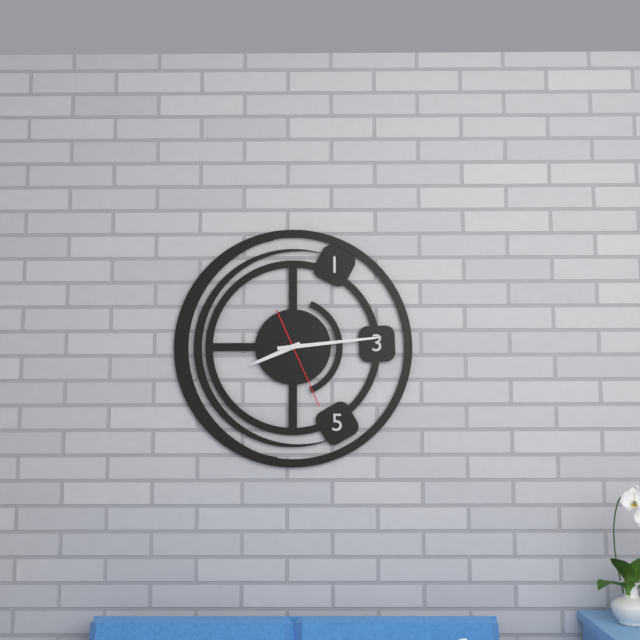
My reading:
8 h 14 min 26 s
